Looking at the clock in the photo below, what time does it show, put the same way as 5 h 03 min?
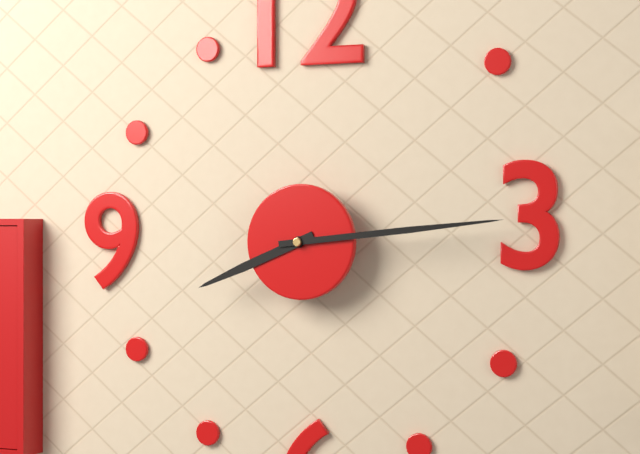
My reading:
8 h 14 min
